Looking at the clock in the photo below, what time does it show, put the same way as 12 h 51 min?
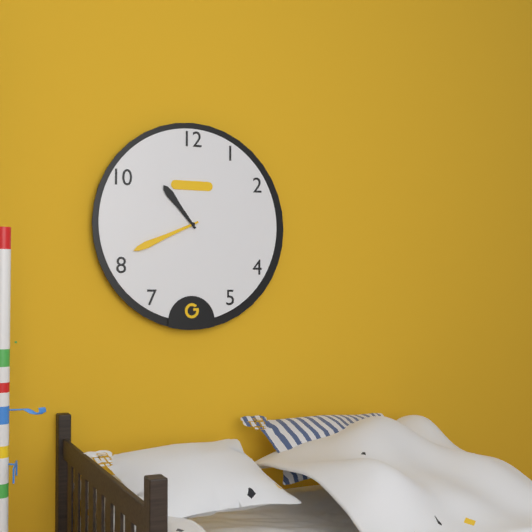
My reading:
10 h 41 min
